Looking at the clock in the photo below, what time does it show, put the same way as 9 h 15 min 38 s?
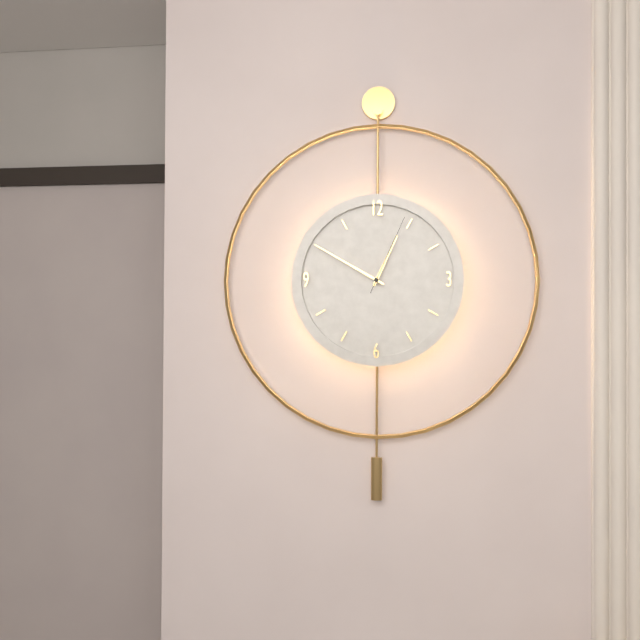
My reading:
12 h 50 min 04 s
